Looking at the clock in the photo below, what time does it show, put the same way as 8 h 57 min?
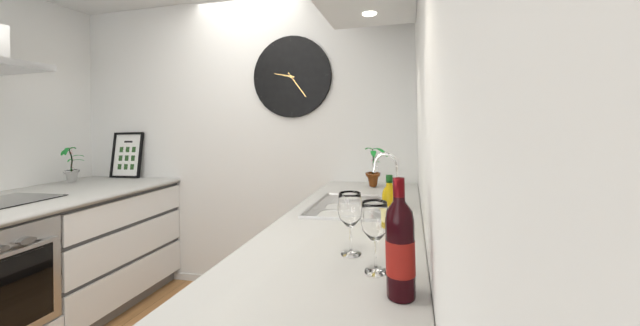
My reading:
9 h 24 min
